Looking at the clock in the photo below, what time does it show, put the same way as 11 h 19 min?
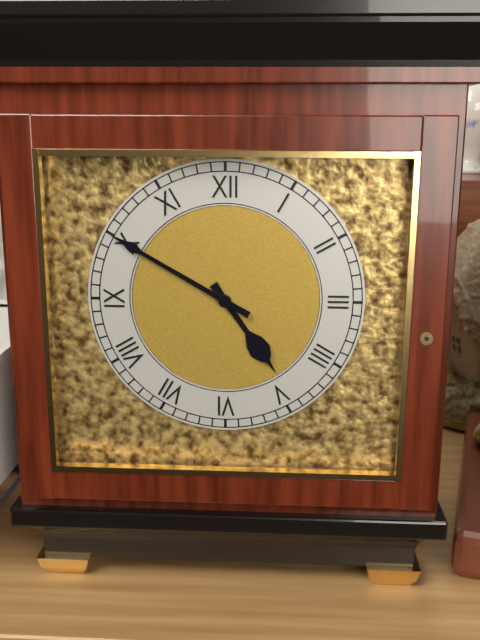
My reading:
4 h 50 min
